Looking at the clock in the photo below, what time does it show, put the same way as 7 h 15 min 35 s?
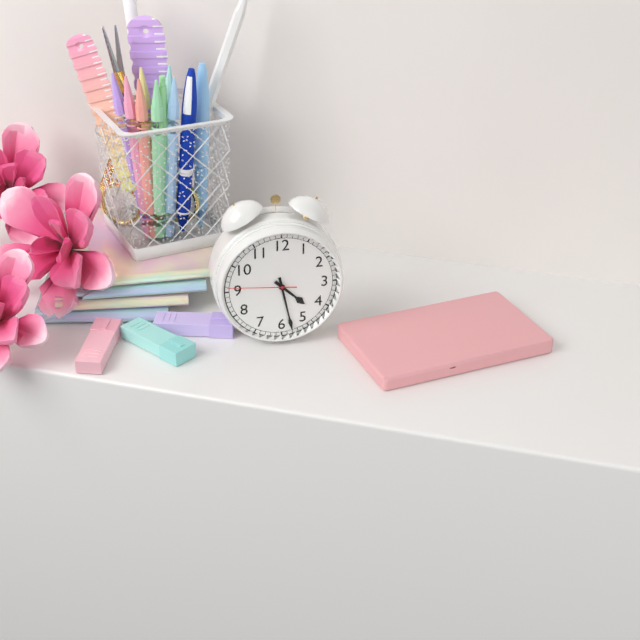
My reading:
4 h 28 min 46 s
